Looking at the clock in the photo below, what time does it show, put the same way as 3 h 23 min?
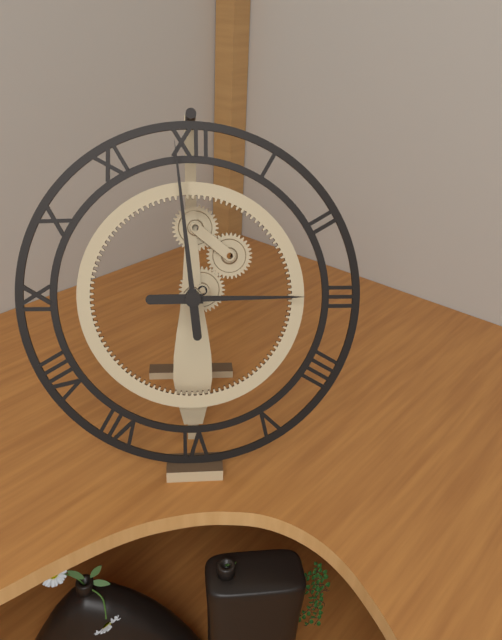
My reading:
2 h 59 min
